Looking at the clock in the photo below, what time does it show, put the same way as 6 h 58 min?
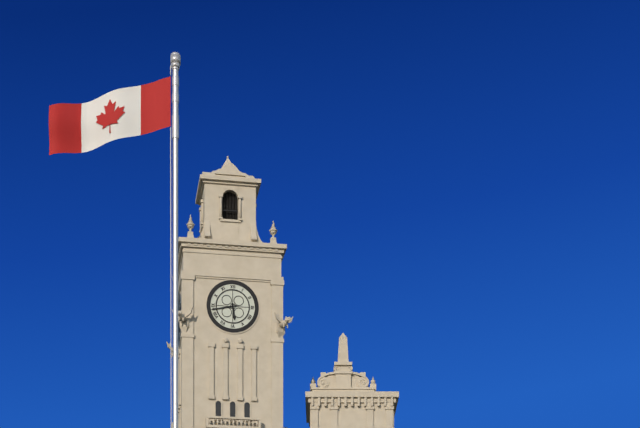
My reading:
5 h 43 min
